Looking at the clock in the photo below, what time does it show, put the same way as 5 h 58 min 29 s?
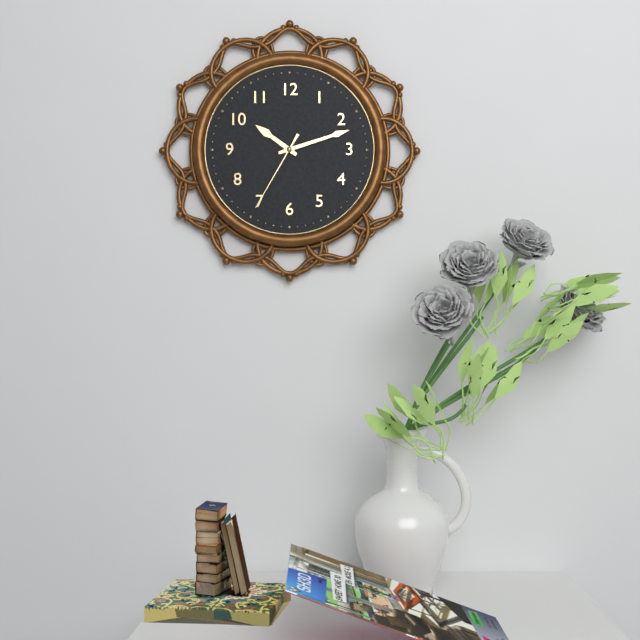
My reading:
10 h 12 min 35 s
